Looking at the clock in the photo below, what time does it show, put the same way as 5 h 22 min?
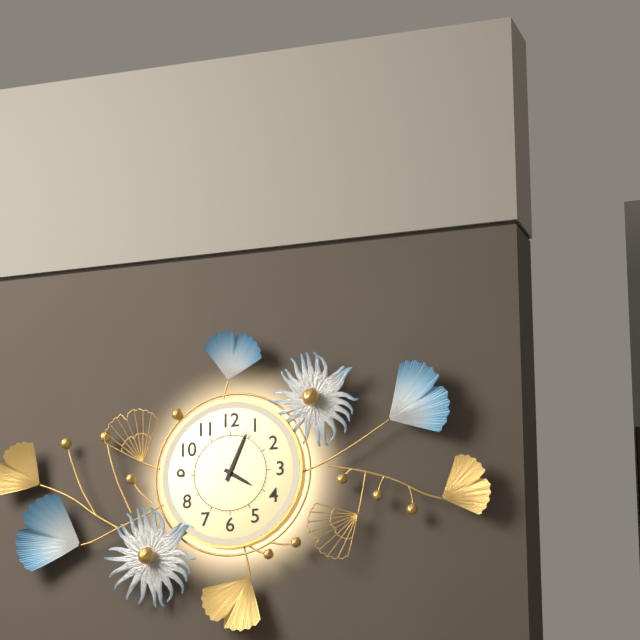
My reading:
4 h 04 min
